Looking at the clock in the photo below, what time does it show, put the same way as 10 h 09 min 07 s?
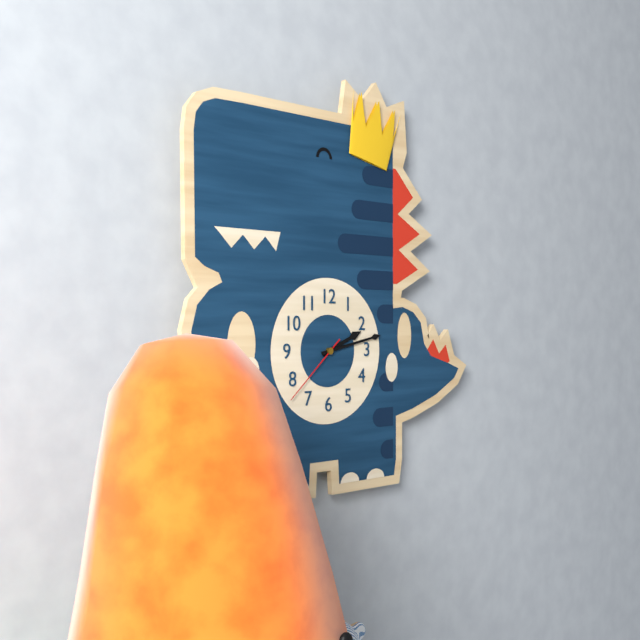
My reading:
2 h 13 min 38 s
